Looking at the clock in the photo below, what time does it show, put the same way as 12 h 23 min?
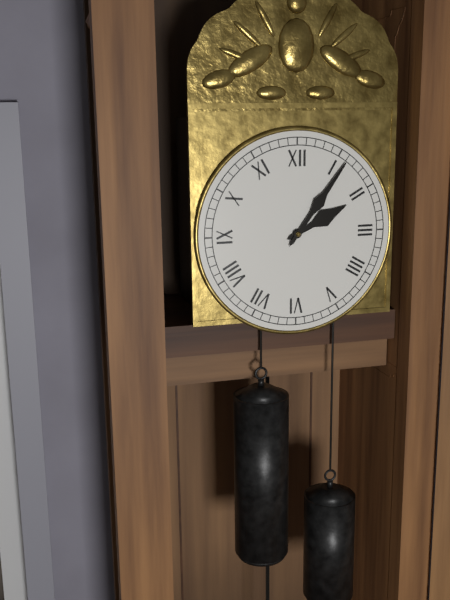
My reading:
2 h 06 min
